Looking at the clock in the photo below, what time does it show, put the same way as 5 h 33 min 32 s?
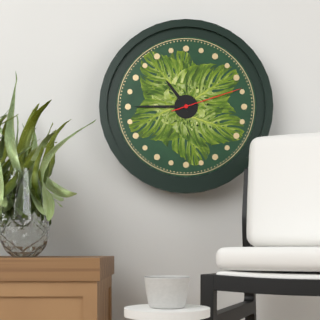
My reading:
10 h 45 min 12 s
